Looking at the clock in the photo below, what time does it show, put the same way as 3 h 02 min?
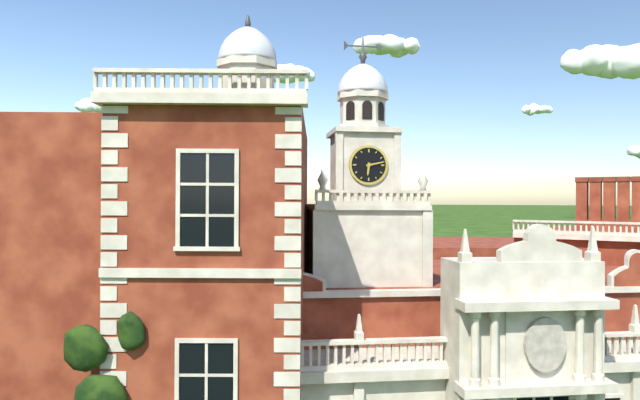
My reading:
6 h 13 min
